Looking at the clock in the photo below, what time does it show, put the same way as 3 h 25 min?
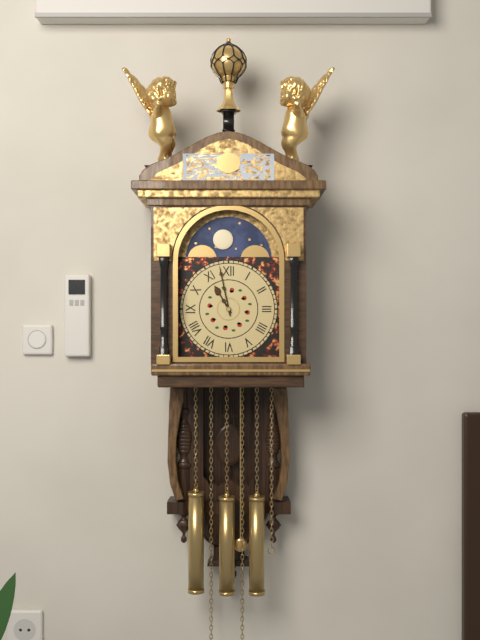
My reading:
10 h 58 min
